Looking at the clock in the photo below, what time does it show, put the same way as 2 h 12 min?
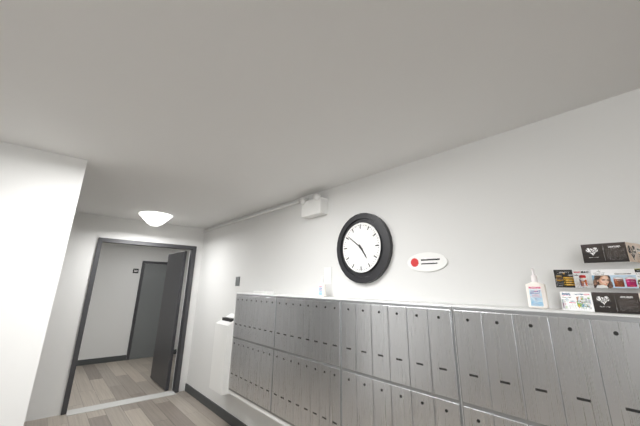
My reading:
4 h 51 min
